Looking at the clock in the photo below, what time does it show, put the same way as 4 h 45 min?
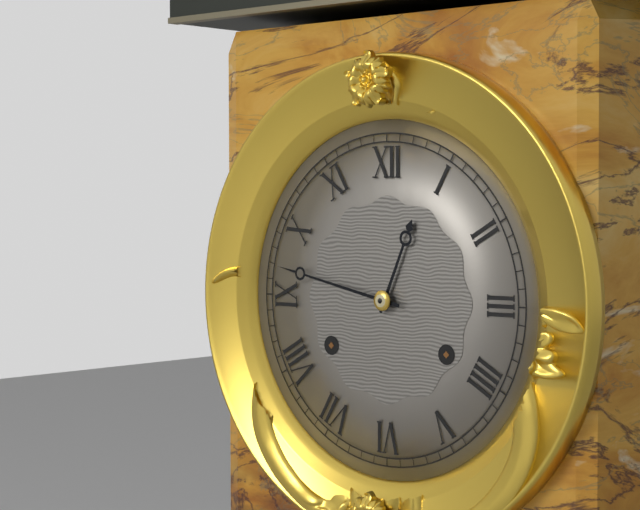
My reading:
12 h 47 min
